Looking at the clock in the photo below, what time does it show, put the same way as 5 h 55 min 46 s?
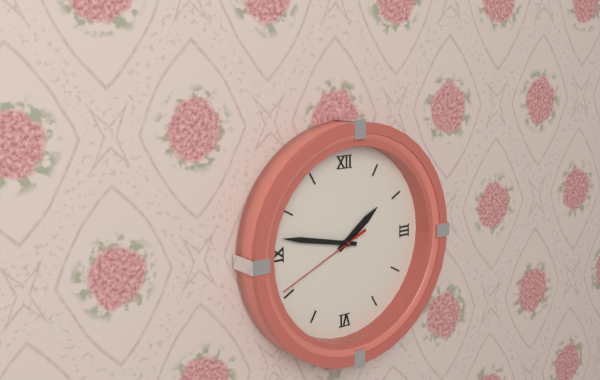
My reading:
1 h 47 min 41 s
